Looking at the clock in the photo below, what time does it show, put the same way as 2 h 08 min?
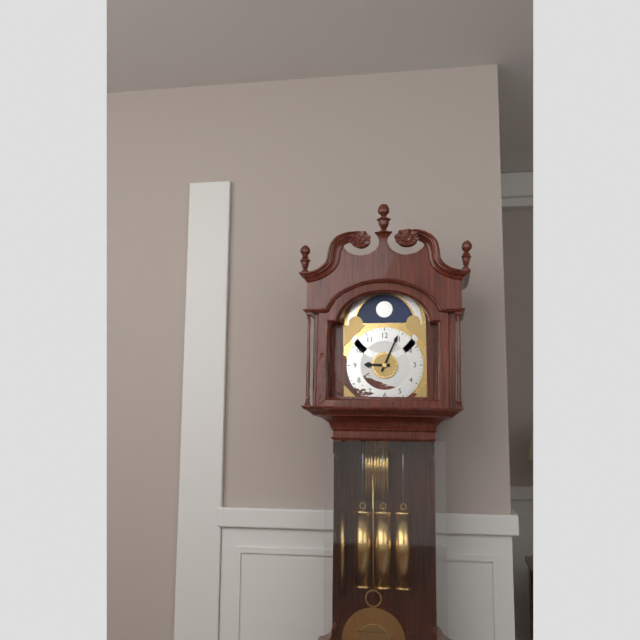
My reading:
9 h 04 min
